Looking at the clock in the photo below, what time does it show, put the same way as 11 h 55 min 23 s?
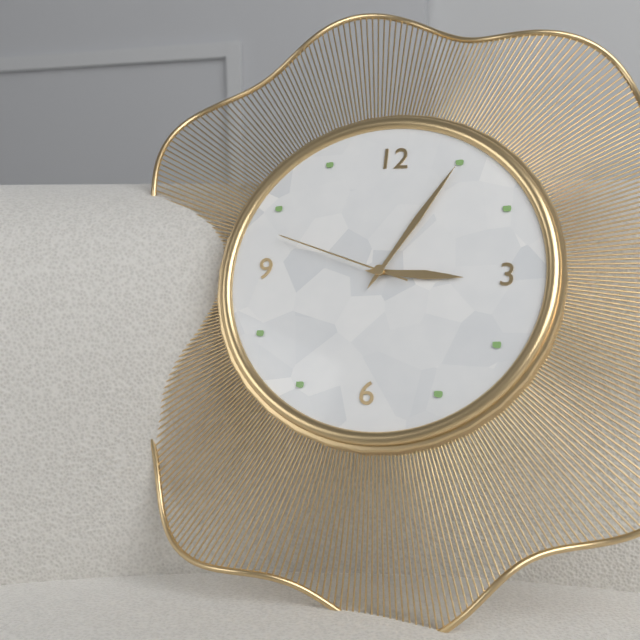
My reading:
3 h 05 min 48 s
